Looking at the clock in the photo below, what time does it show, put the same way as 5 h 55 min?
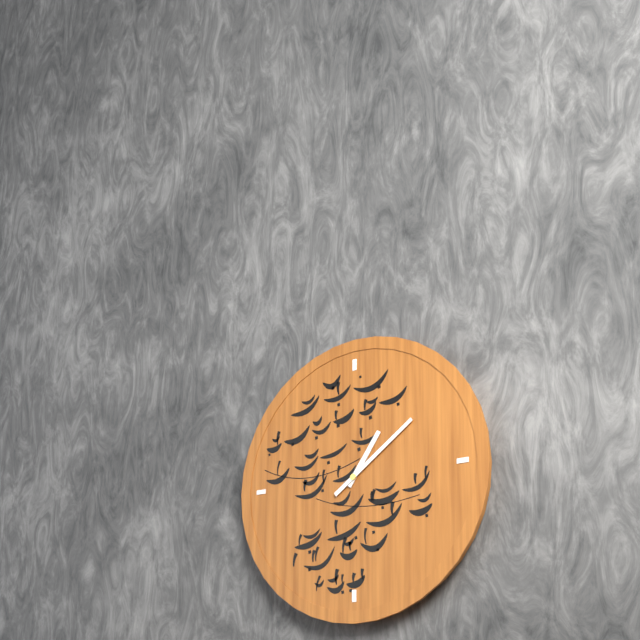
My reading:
1 h 09 min
